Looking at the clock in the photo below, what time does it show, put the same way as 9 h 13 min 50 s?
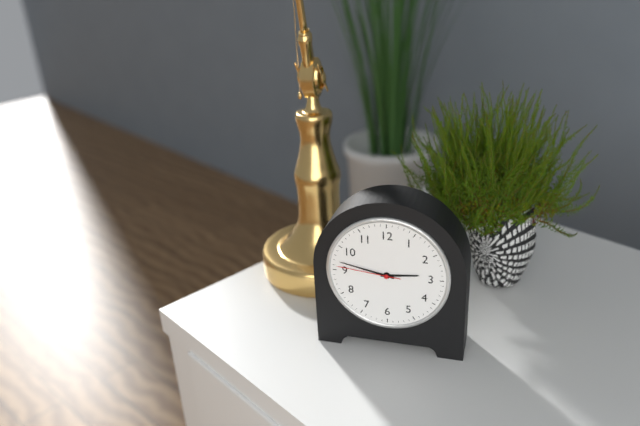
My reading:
2 h 47 min 46 s
